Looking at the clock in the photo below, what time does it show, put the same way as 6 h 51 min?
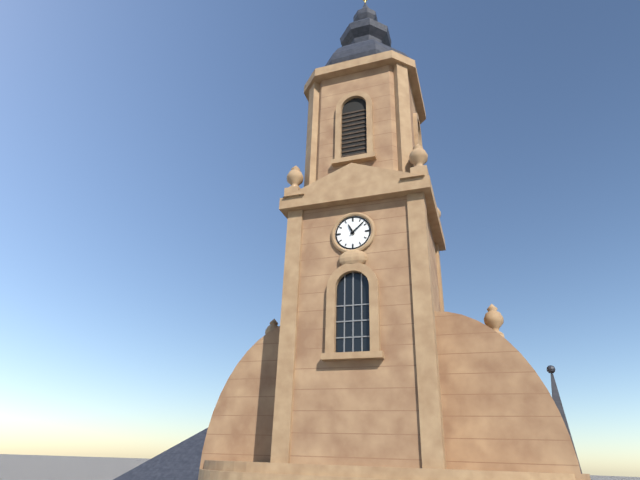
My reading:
11 h 08 min
